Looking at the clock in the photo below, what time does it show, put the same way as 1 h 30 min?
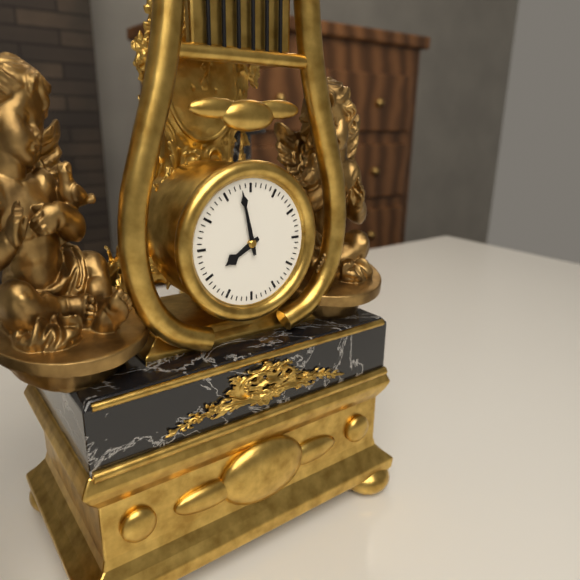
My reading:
7 h 58 min
